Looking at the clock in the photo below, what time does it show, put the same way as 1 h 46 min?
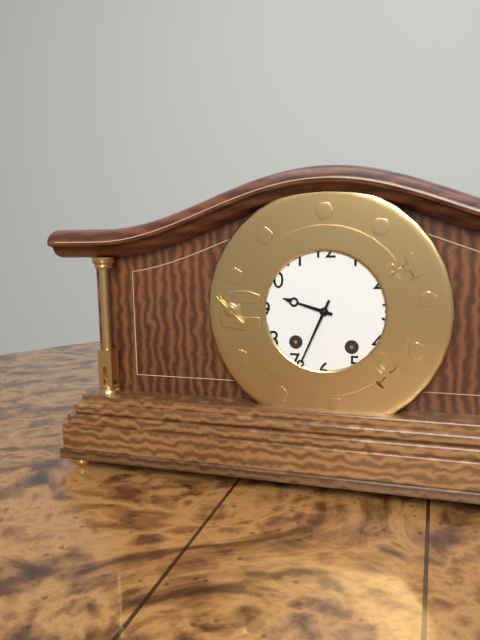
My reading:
9 h 34 min
